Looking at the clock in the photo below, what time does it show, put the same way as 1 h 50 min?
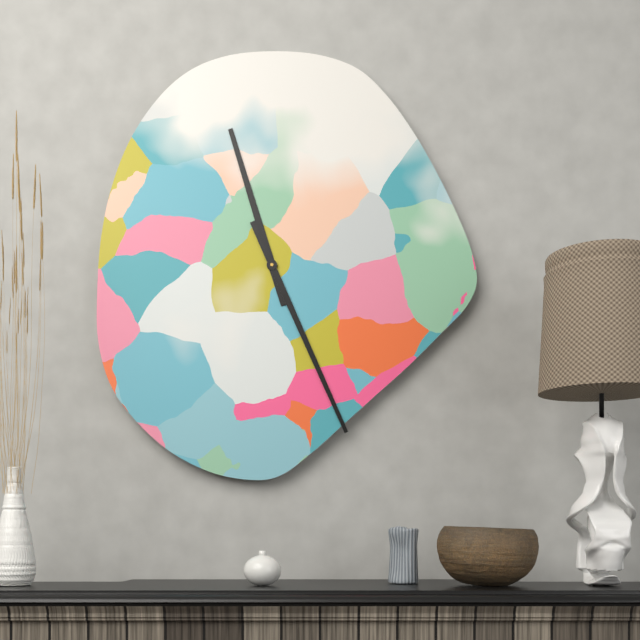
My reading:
11 h 26 min
